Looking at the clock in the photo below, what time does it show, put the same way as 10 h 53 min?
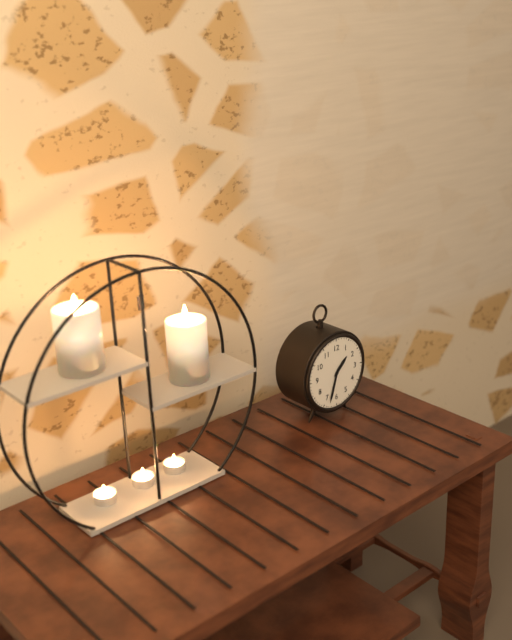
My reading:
1 h 33 min
